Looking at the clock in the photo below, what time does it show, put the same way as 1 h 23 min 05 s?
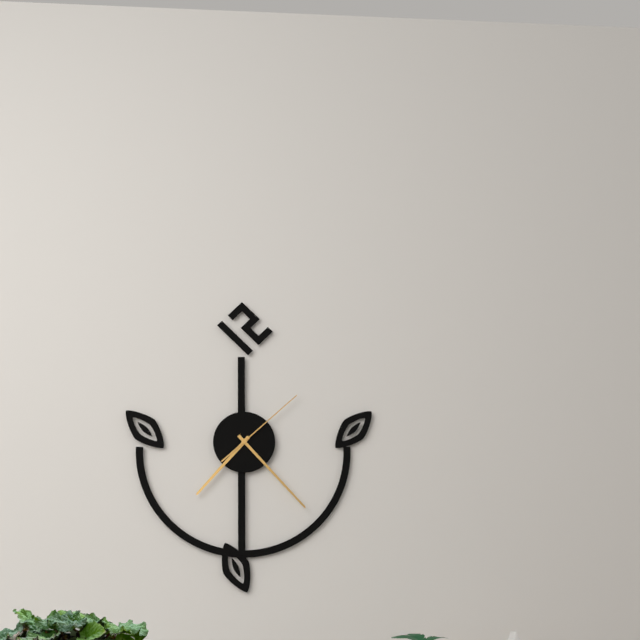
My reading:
7 h 23 min 08 s
